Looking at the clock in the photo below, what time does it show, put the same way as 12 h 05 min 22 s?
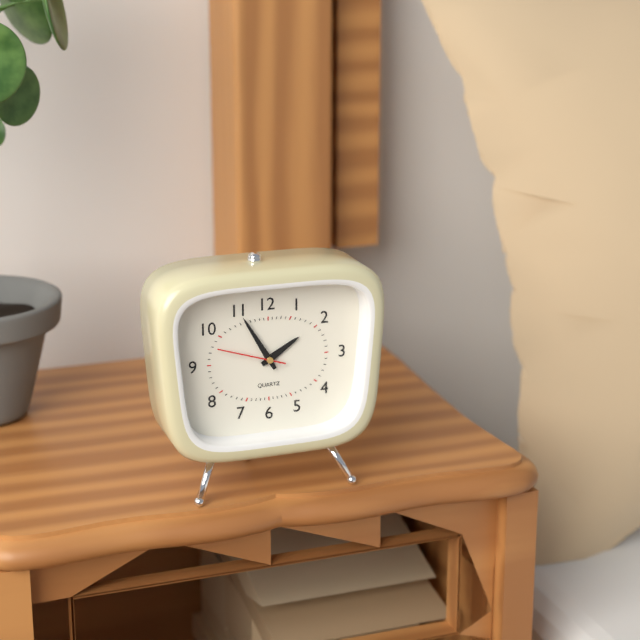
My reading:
1 h 55 min 48 s
